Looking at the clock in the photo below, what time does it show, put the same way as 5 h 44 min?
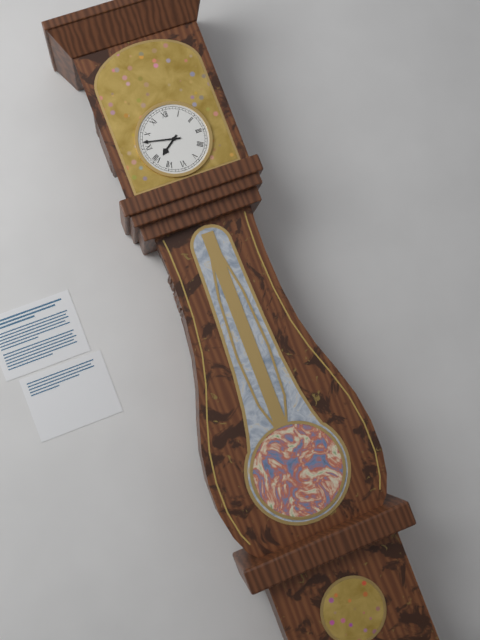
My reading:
7 h 47 min
